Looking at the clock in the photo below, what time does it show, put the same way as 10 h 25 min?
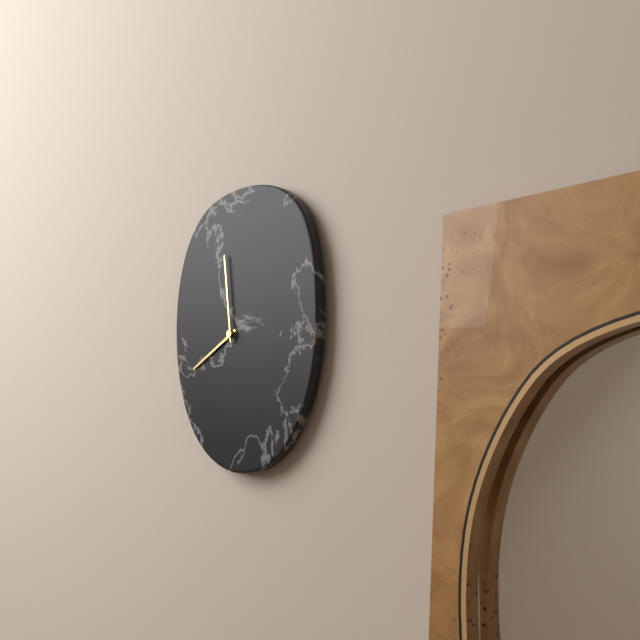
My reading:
7 h 59 min
